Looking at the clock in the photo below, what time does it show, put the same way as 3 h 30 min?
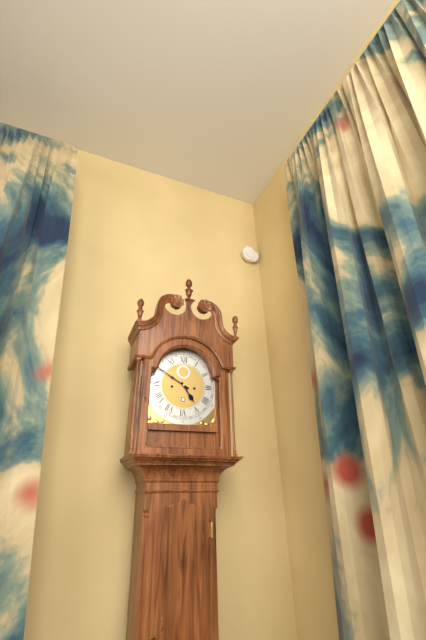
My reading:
4 h 50 min
